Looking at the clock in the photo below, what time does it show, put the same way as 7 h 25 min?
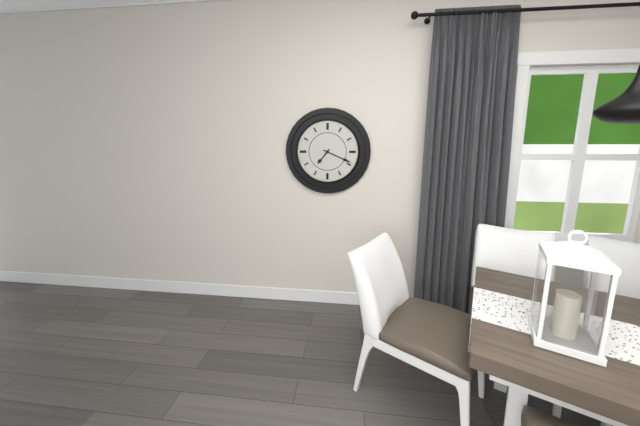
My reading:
7 h 19 min
